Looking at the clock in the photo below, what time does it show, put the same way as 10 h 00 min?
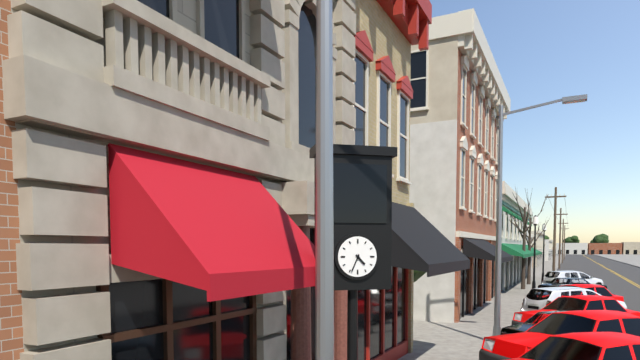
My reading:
4 h 34 min
